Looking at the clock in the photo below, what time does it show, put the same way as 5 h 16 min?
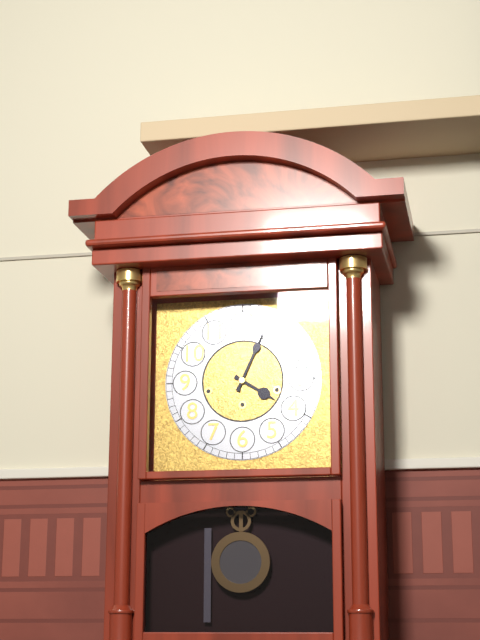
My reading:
4 h 04 min
